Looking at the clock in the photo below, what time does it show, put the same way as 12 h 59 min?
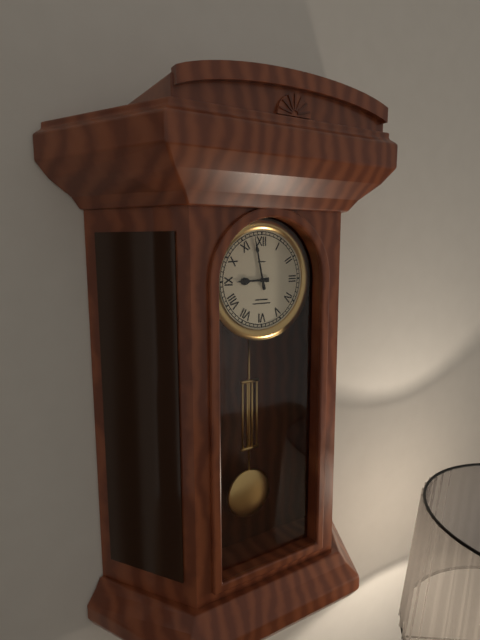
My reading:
8 h 58 min
